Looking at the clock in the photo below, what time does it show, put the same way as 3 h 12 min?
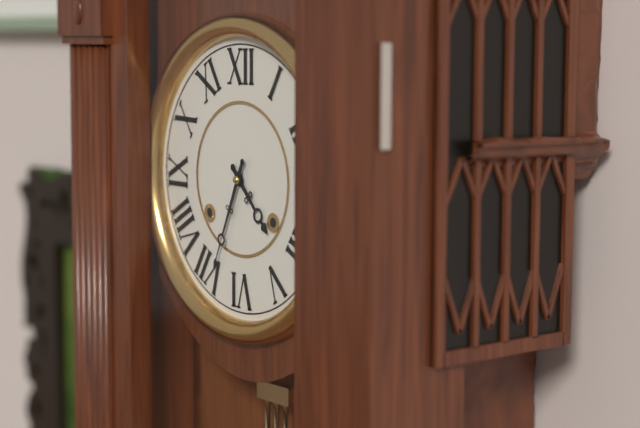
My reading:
4 h 34 min
